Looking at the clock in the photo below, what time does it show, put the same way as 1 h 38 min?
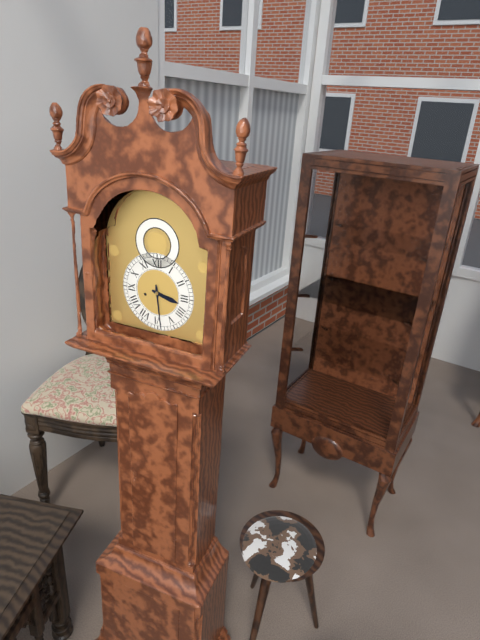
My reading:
3 h 29 min
